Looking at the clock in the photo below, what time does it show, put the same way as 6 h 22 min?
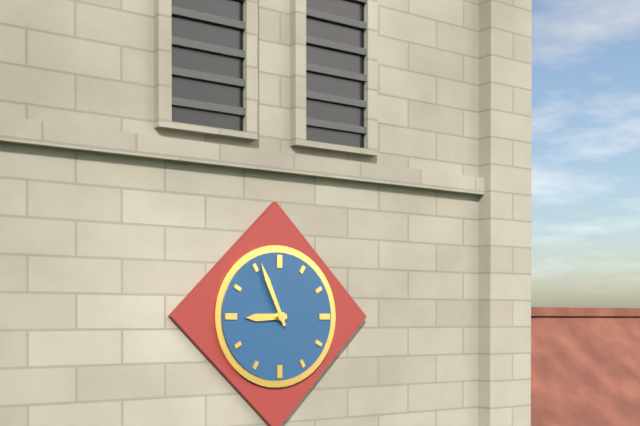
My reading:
8 h 56 min
